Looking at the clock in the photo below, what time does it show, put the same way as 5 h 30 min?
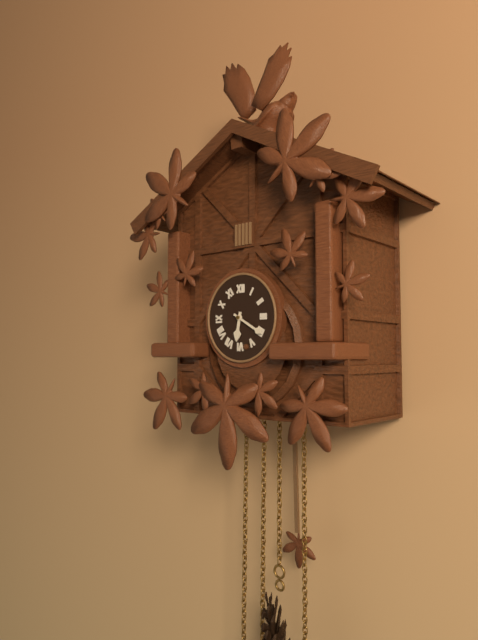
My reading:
6 h 20 min
